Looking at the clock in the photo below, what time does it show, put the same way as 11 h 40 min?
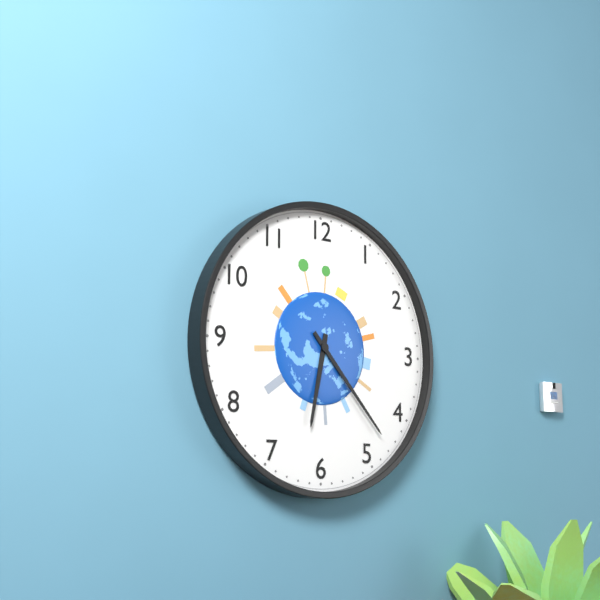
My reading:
6 h 23 min
